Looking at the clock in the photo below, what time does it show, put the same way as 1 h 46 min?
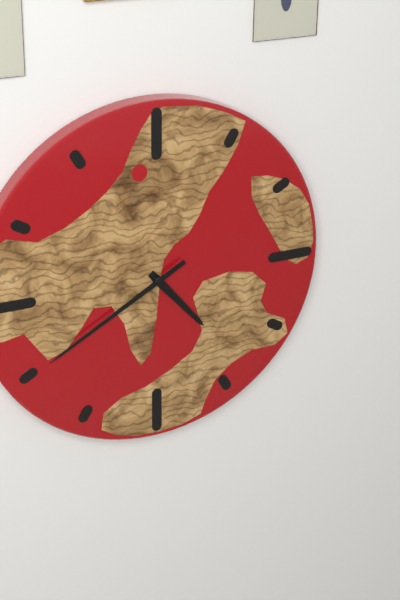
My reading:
4 h 40 min
